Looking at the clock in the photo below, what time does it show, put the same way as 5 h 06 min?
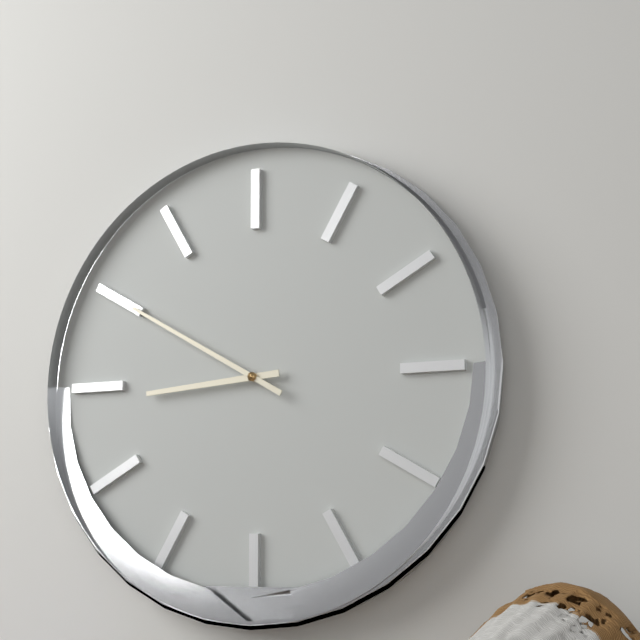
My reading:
8 h 50 min
